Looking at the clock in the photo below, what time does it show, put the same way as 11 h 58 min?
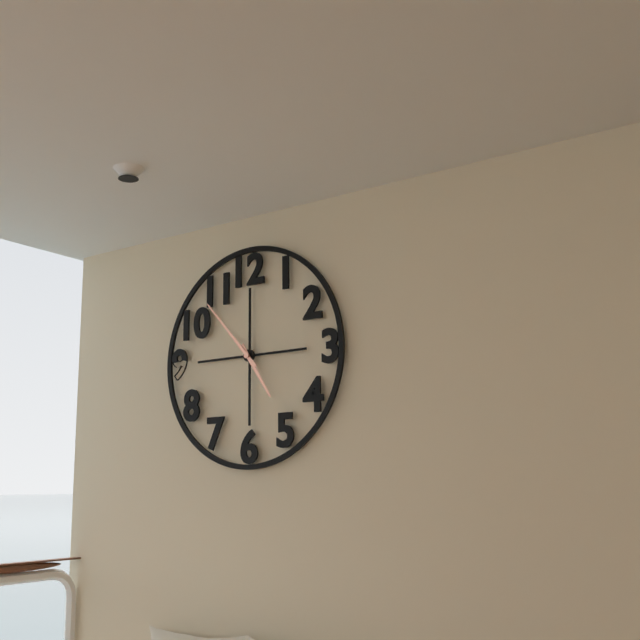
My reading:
4 h 53 min
